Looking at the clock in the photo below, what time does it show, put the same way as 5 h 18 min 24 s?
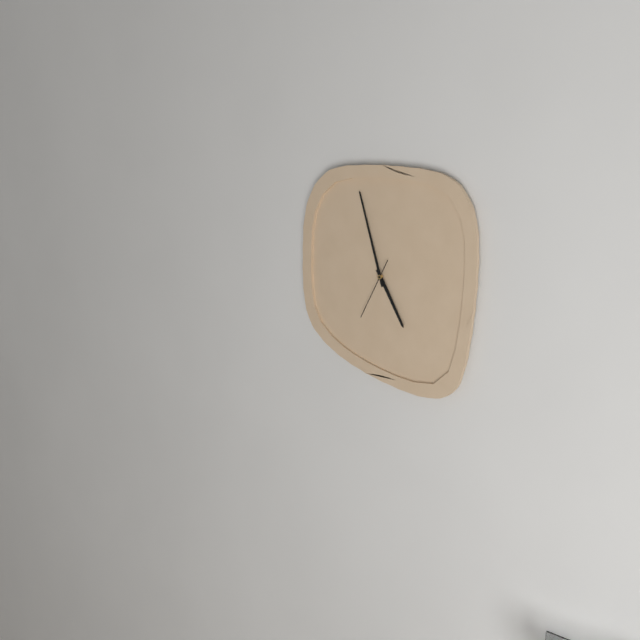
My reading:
4 h 57 min 35 s
